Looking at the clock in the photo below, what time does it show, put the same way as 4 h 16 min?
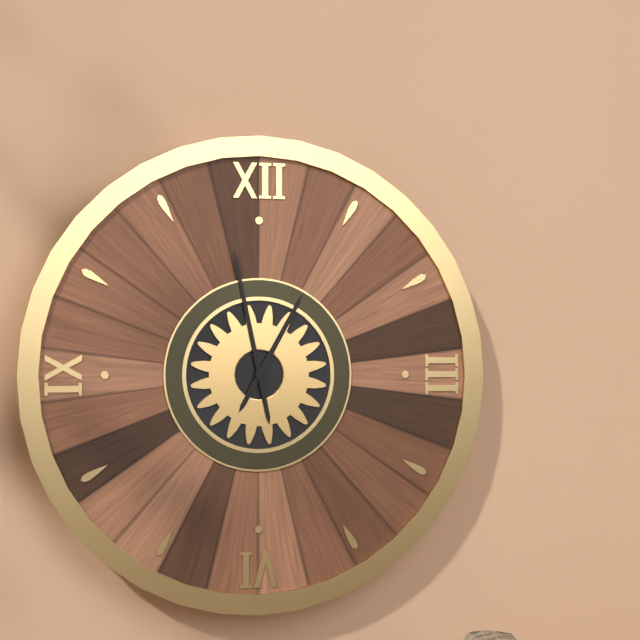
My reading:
12 h 58 min
